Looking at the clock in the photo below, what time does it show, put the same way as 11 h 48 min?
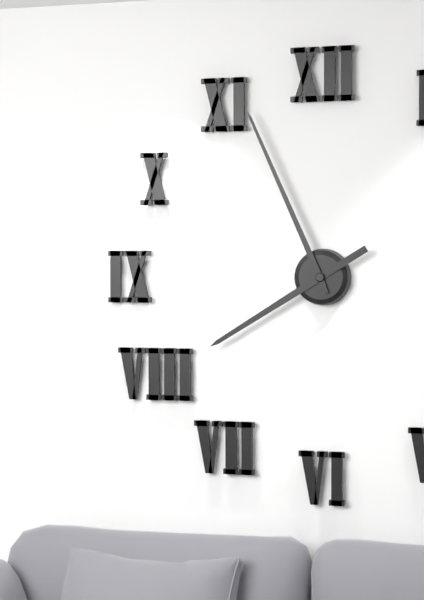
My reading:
7 h 56 min
